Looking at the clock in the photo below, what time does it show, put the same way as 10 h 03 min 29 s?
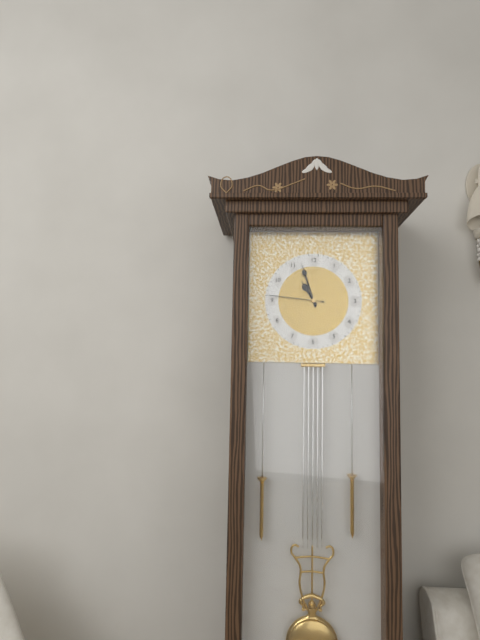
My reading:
10 h 57 min 46 s
